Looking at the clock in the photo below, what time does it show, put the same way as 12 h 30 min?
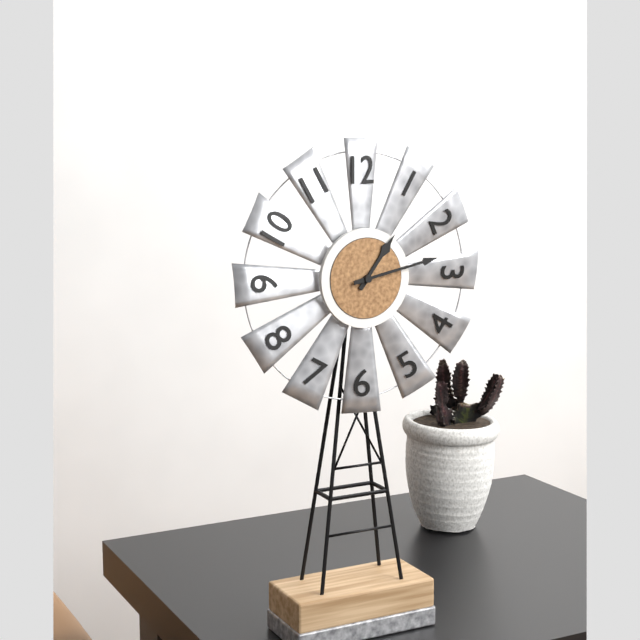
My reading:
1 h 13 min
